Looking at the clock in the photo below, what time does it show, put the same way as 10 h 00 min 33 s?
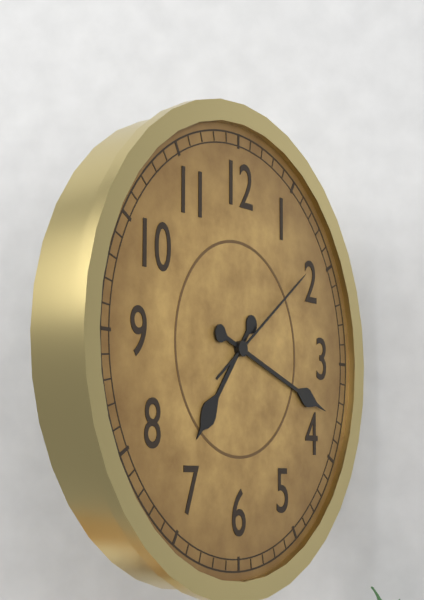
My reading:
7 h 18 min 09 s
